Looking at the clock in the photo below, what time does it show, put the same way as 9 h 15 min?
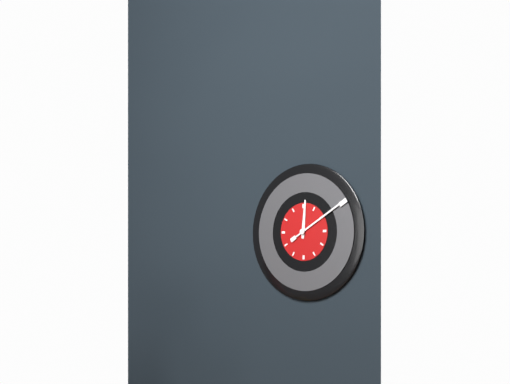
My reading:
12 h 10 min
